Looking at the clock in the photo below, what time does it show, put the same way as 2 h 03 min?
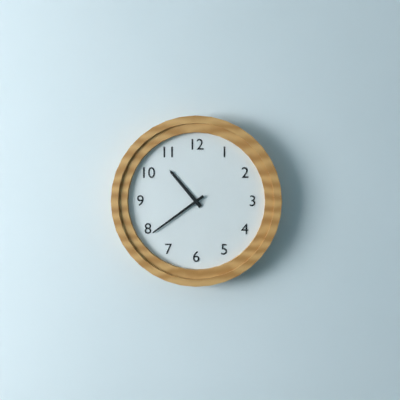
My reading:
10 h 39 min
